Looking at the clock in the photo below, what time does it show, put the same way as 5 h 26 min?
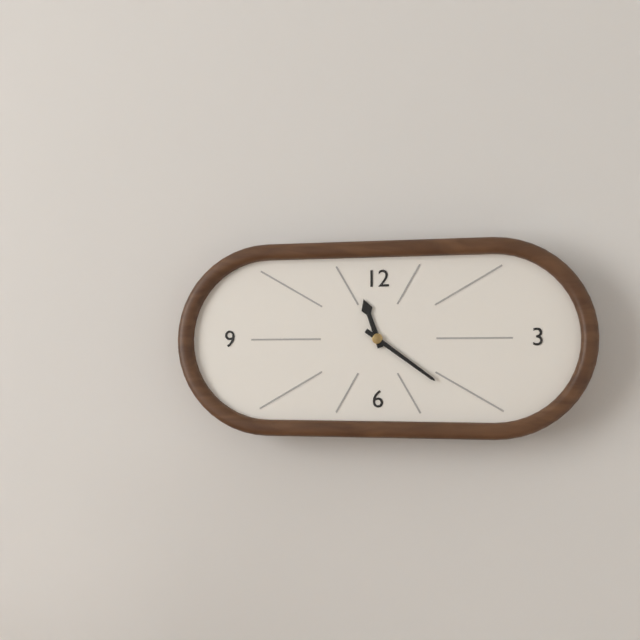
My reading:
11 h 21 min
